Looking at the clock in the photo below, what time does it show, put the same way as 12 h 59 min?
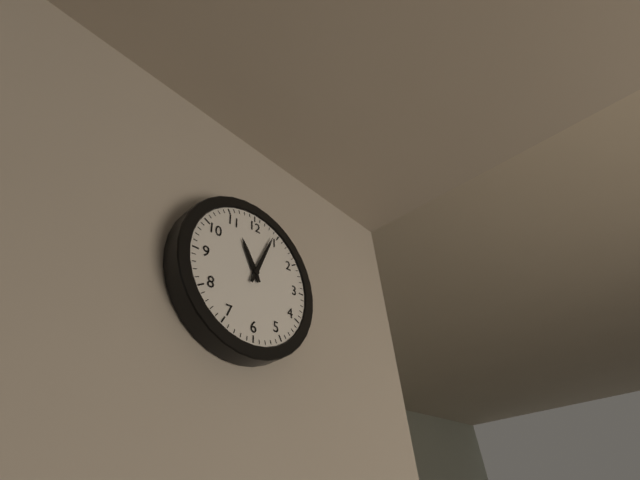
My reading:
11 h 04 min
